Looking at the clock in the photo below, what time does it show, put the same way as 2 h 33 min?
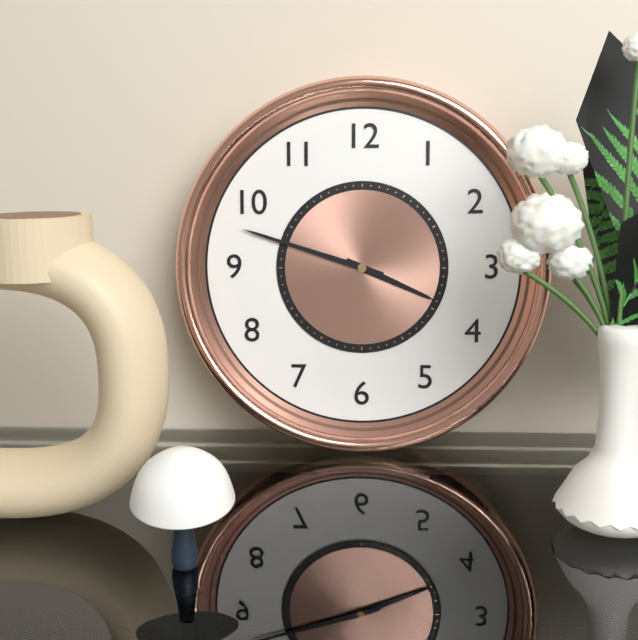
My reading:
3 h 48 min
